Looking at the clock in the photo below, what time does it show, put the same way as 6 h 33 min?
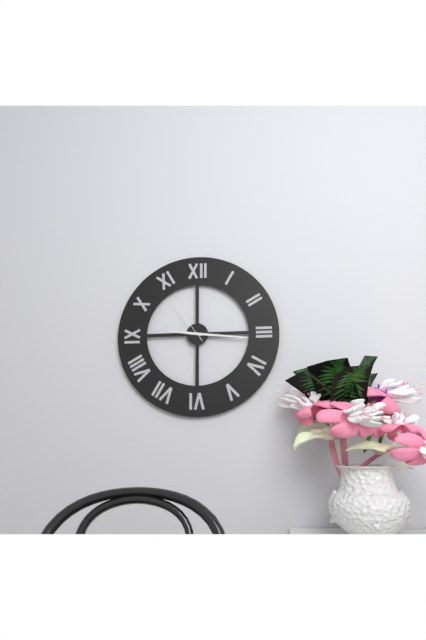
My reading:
9 h 16 min
